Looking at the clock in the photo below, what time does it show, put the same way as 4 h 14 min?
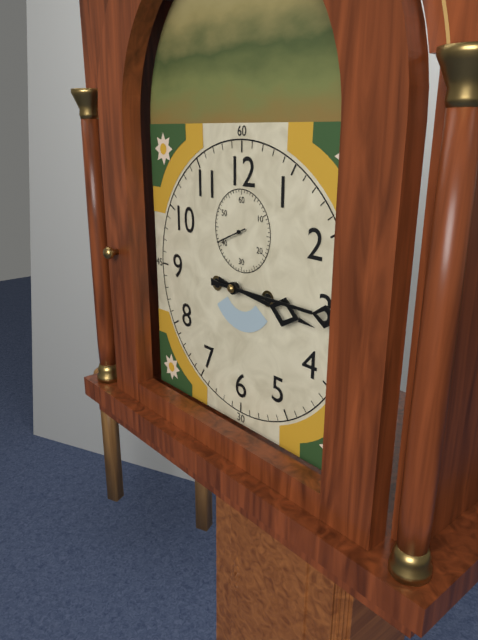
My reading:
3 h 15 min
